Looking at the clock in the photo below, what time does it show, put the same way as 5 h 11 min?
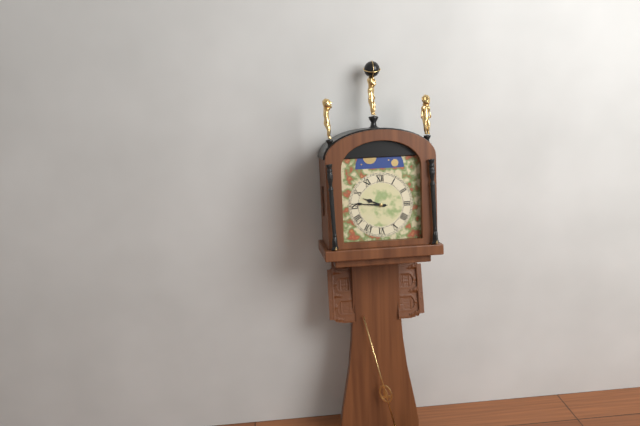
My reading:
9 h 46 min
